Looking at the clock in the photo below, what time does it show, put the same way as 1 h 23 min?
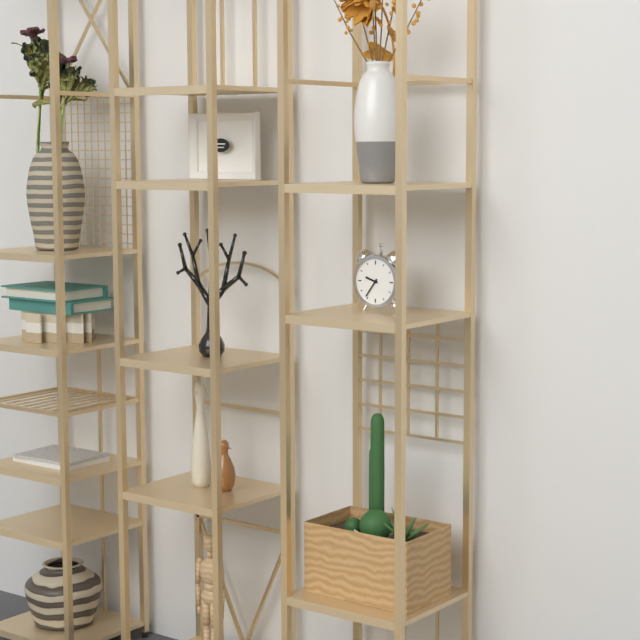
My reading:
9 h 36 min
